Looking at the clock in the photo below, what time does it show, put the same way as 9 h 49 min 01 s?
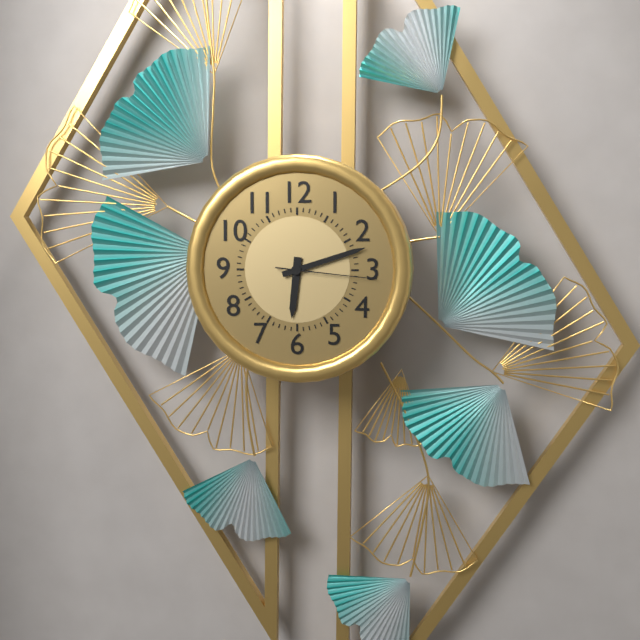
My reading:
6 h 12 min 16 s
